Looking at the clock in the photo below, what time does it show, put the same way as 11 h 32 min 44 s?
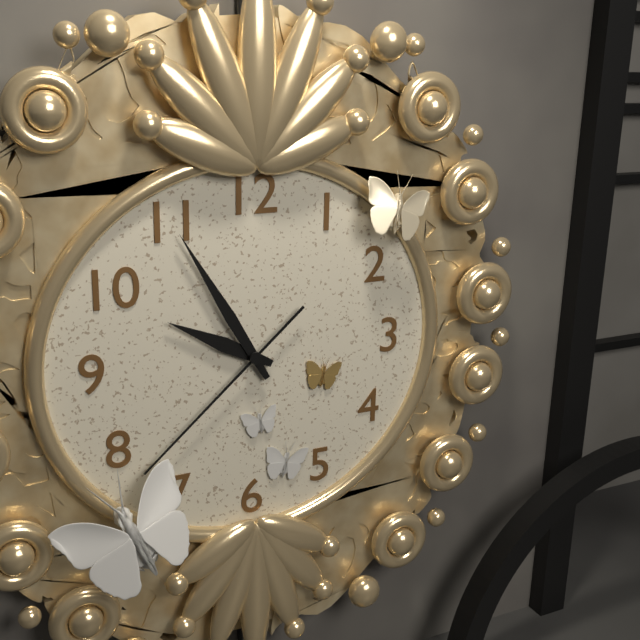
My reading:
9 h 55 min 38 s
